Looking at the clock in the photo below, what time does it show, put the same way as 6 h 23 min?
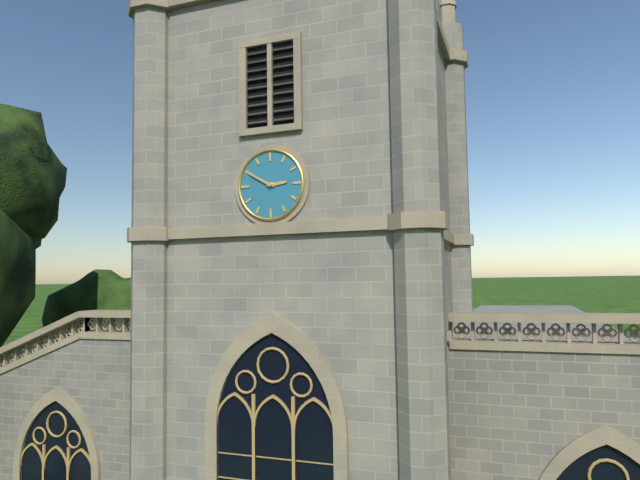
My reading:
2 h 50 min
